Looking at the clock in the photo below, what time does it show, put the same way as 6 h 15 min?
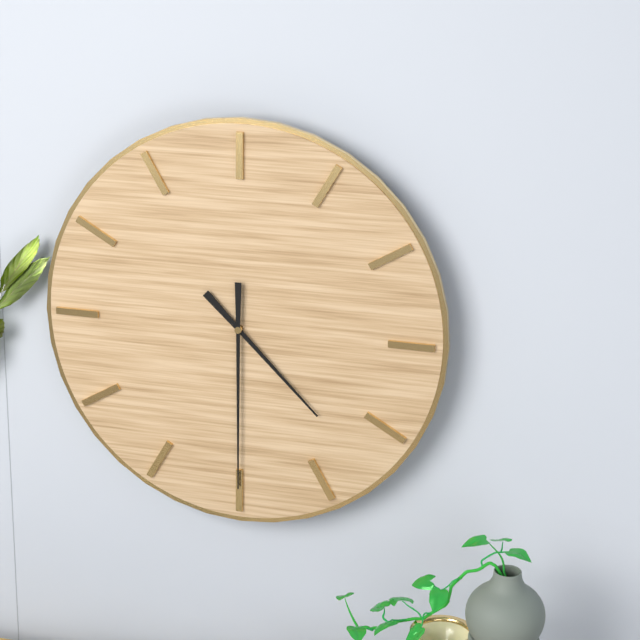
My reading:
4 h 30 min
